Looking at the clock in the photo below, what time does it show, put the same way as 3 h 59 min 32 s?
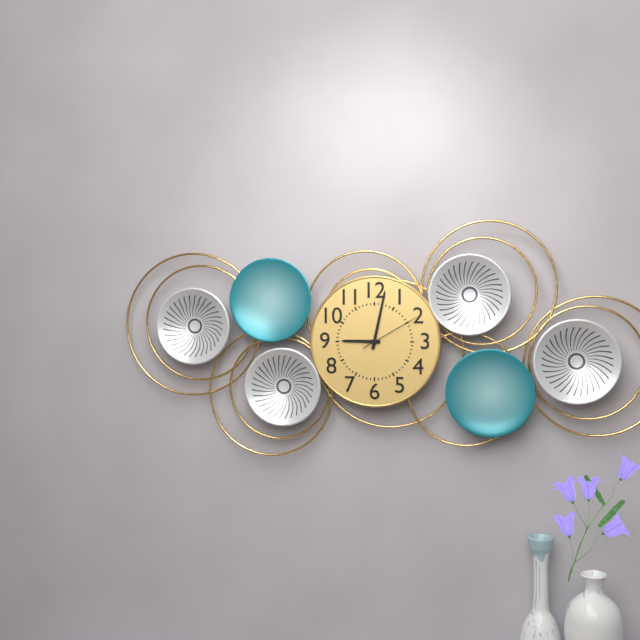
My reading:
9 h 02 min 10 s
